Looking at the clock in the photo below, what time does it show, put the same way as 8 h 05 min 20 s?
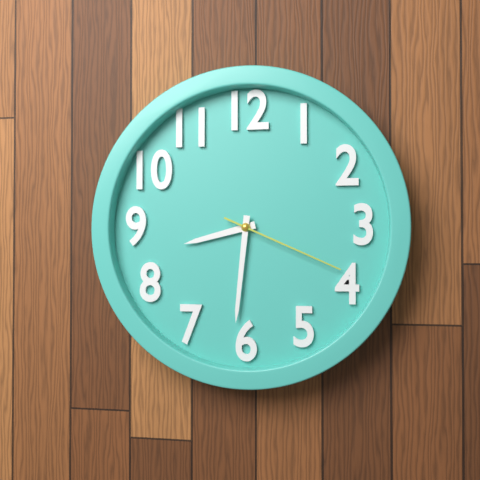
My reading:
8 h 31 min 19 s
